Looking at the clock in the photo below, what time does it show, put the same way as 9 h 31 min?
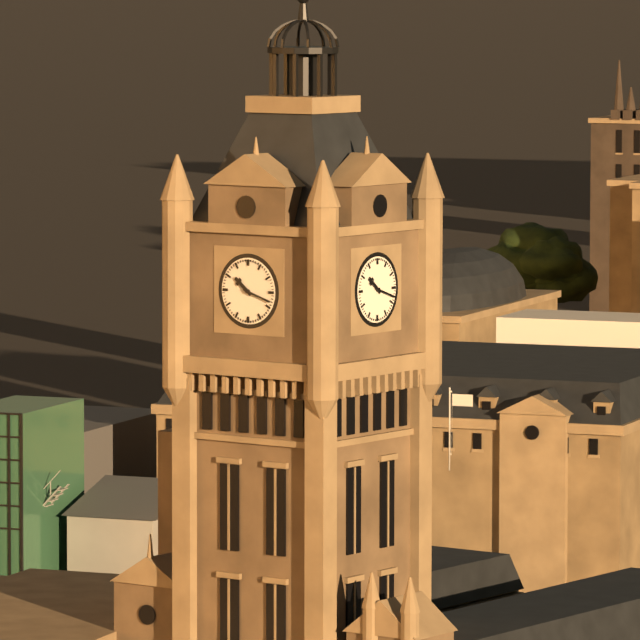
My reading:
10 h 18 min
